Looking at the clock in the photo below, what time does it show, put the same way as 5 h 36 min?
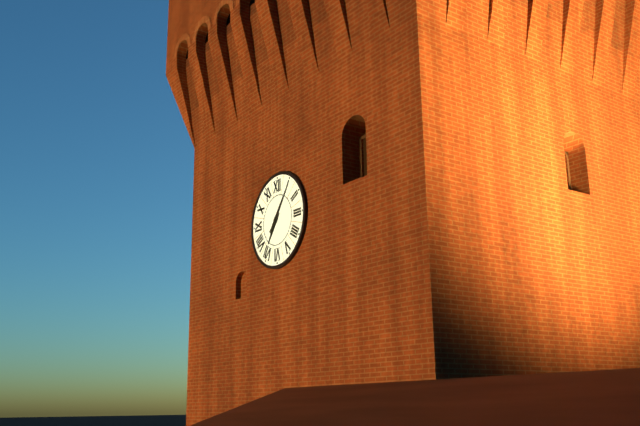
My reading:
7 h 06 min
